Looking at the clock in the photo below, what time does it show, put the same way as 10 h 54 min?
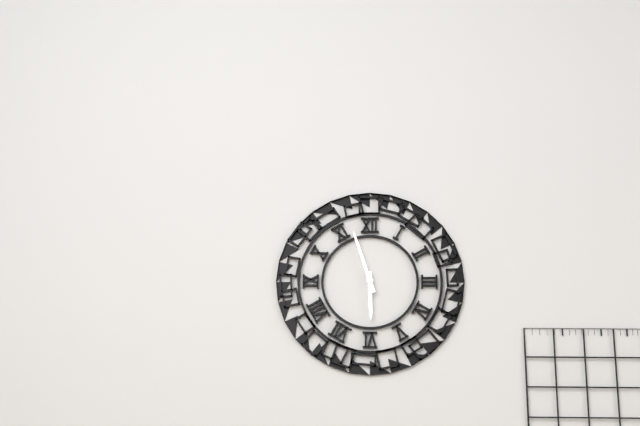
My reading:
5 h 57 min
